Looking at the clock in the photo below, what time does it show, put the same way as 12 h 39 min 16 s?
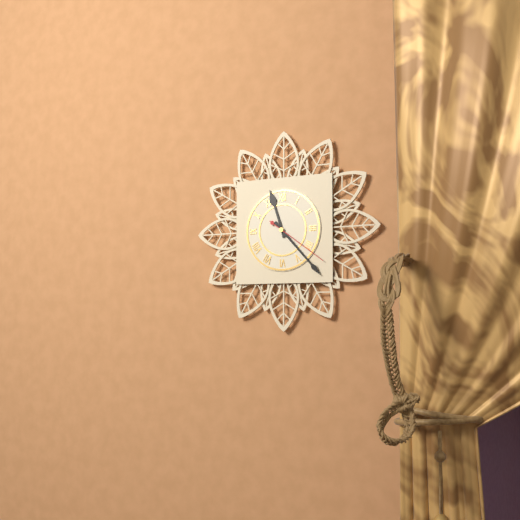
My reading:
11 h 23 min 21 s
